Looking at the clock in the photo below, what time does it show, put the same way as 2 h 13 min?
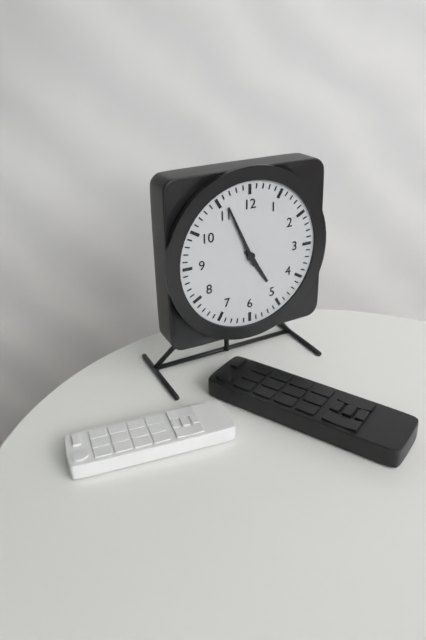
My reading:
4 h 56 min
